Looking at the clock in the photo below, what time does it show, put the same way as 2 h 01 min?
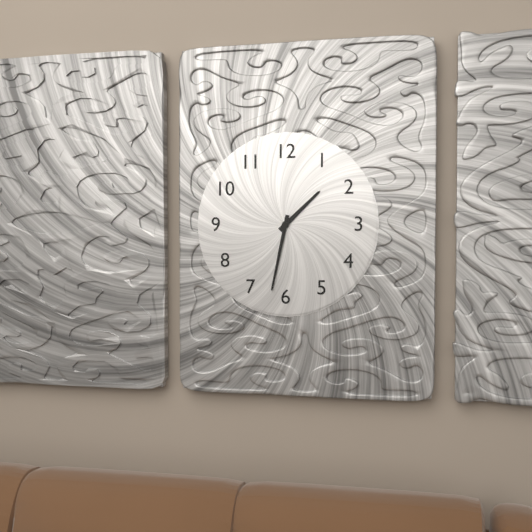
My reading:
1 h 32 min
